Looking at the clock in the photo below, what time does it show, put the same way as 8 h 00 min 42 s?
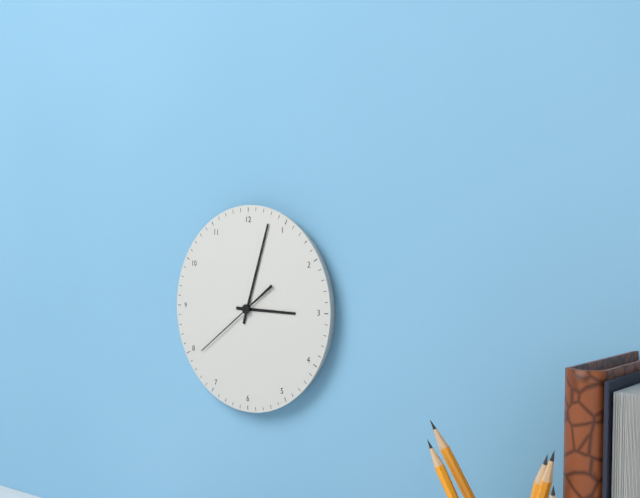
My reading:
3 h 03 min 39 s
